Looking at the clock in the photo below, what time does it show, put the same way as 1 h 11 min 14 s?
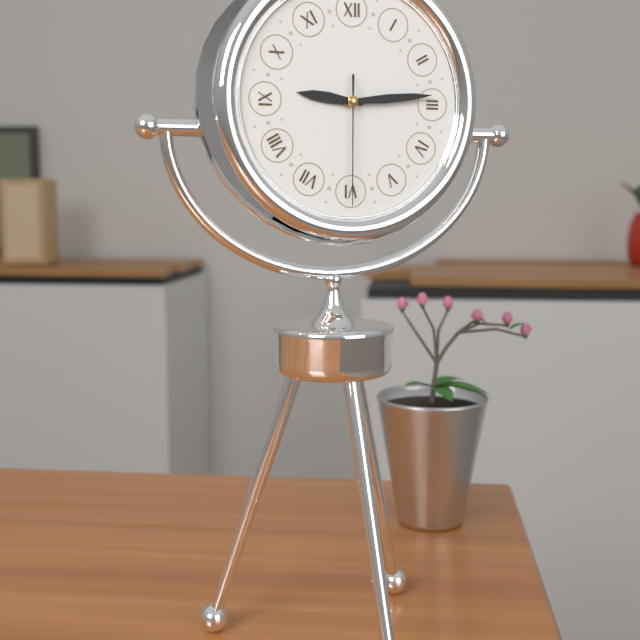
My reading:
9 h 14 min 30 s
